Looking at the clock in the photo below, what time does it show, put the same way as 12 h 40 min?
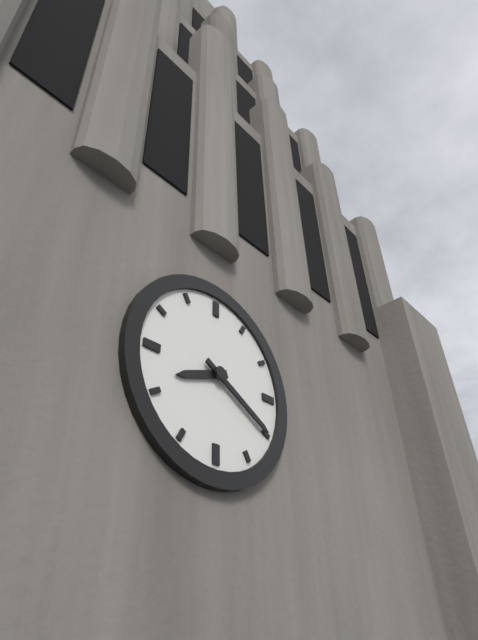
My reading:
8 h 20 min
